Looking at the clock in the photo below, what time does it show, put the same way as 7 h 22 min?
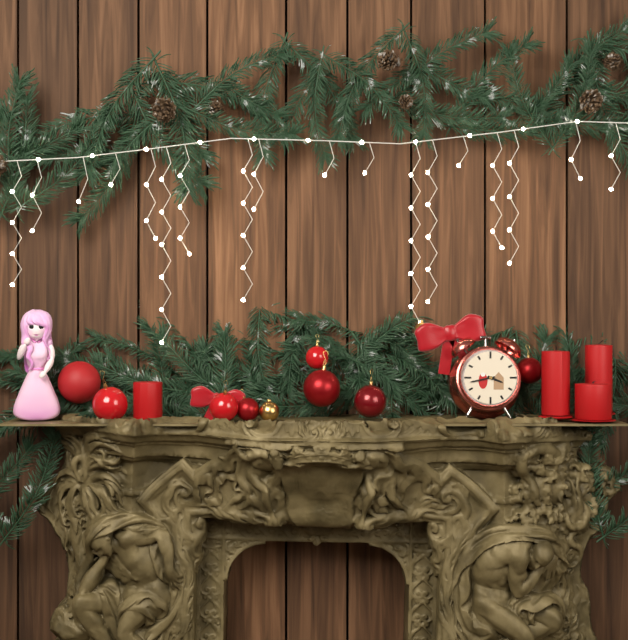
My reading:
3 h 43 min
